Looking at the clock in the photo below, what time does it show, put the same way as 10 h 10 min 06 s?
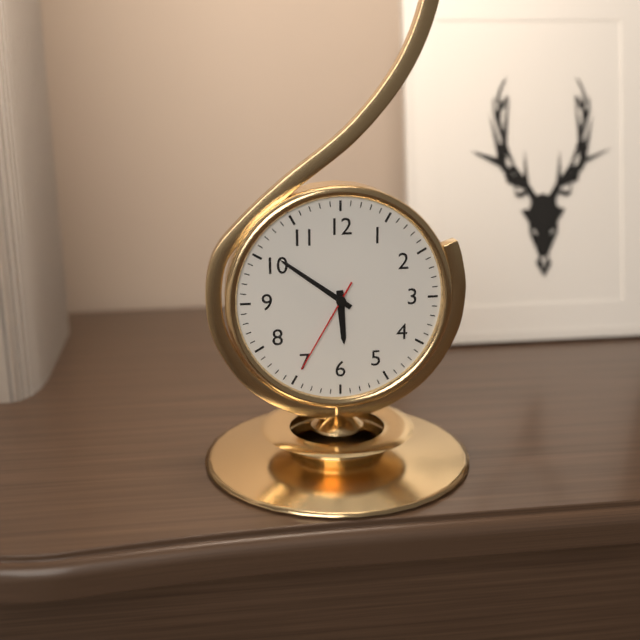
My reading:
5 h 51 min 35 s
